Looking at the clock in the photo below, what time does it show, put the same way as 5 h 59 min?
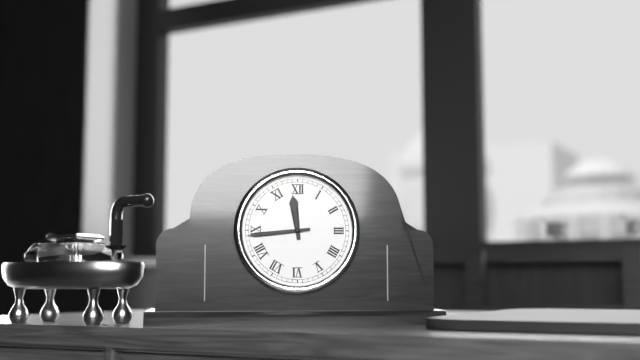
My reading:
11 h 44 min
